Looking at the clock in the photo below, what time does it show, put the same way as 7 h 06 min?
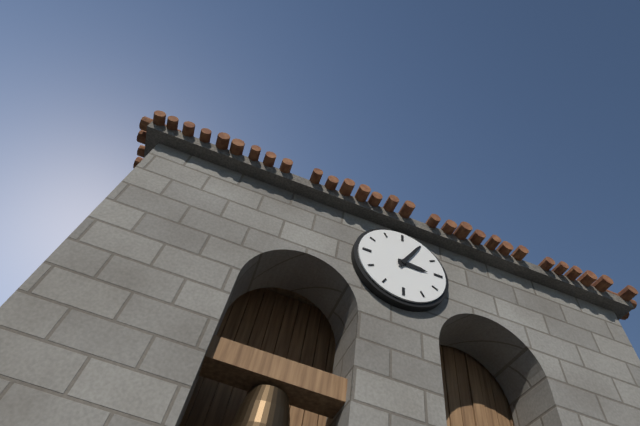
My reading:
3 h 05 min
